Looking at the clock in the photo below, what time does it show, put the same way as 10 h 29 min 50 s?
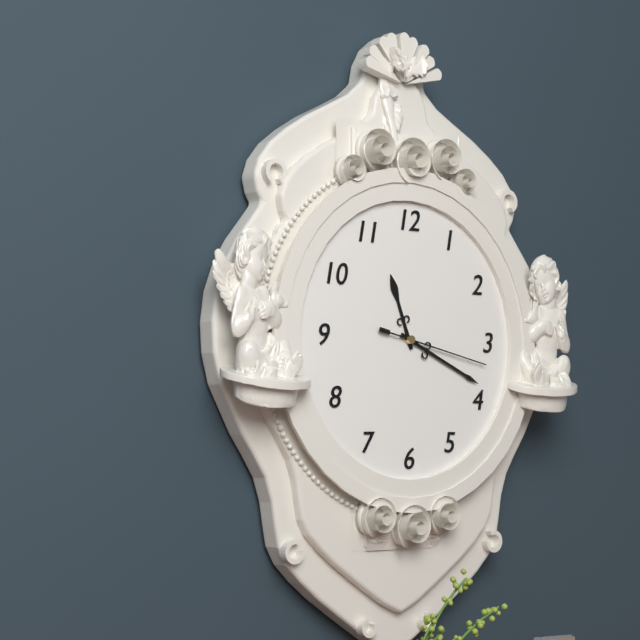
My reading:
11 h 19 min 17 s
